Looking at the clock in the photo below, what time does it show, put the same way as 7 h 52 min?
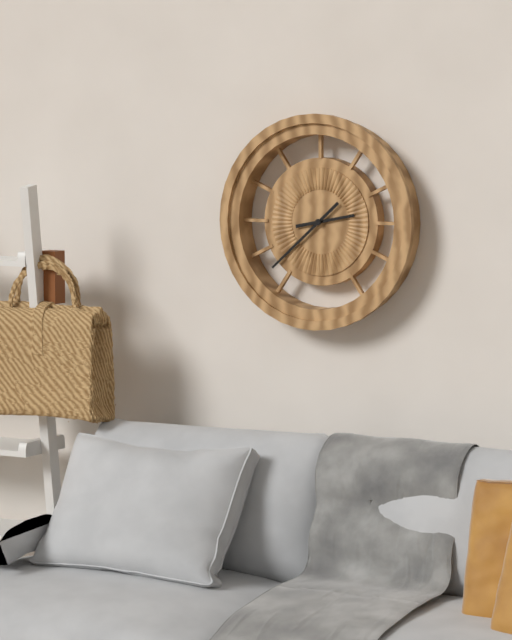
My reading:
2 h 38 min
